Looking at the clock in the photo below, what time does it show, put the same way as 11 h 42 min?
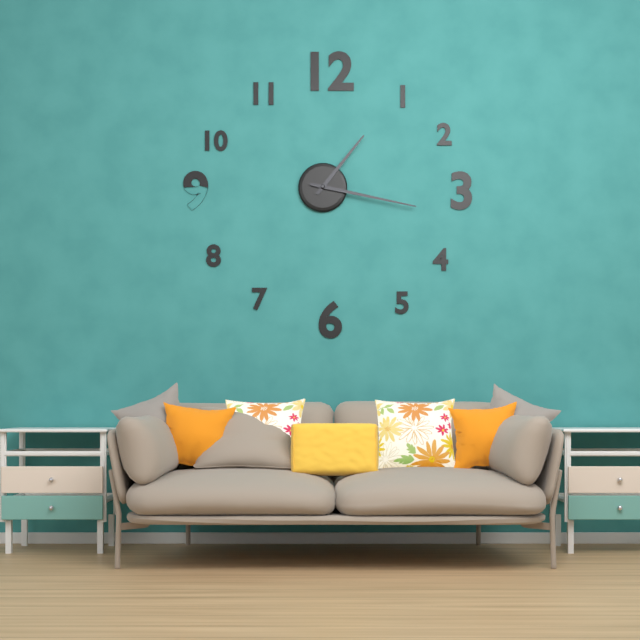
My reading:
1 h 17 min
